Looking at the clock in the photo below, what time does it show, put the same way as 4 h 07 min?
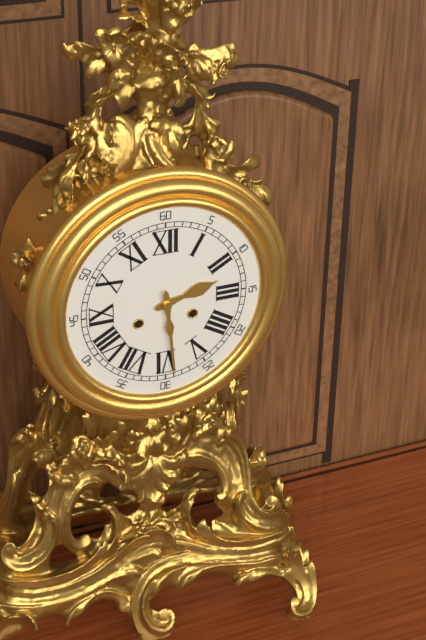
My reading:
2 h 29 min
